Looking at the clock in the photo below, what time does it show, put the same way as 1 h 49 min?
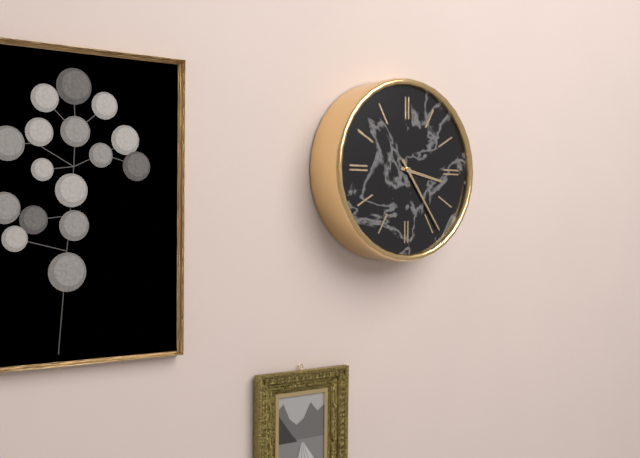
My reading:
3 h 24 min
